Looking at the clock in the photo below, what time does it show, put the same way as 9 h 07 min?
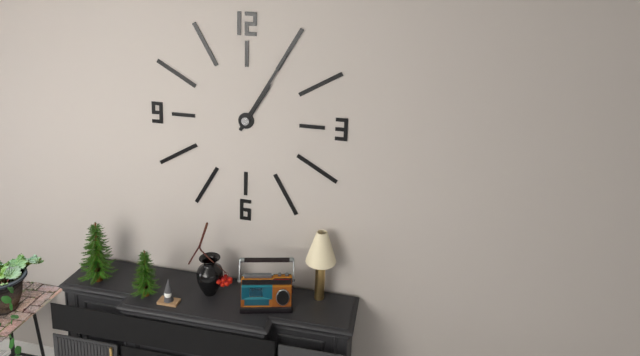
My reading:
1 h 05 min
